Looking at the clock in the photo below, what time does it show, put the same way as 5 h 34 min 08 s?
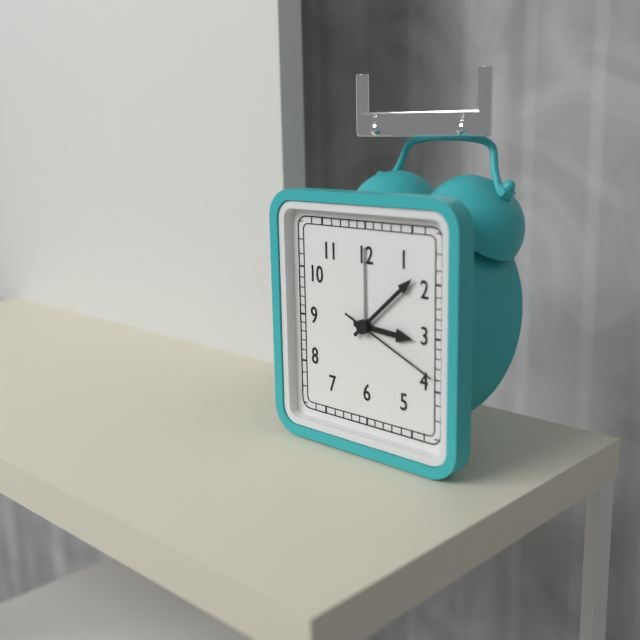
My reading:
3 h 08 min 19 s
